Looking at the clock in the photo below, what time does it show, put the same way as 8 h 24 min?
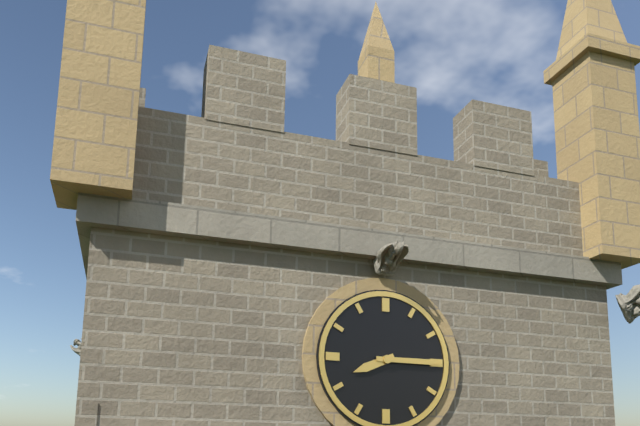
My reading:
8 h 15 min
